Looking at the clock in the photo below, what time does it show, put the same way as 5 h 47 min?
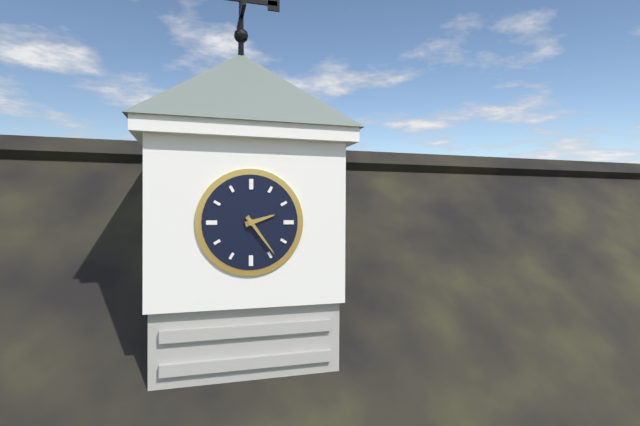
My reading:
2 h 24 min
